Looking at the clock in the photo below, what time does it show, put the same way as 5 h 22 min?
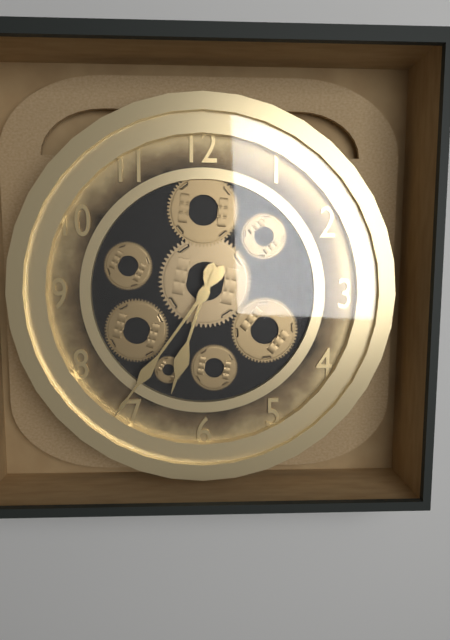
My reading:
6 h 36 min
